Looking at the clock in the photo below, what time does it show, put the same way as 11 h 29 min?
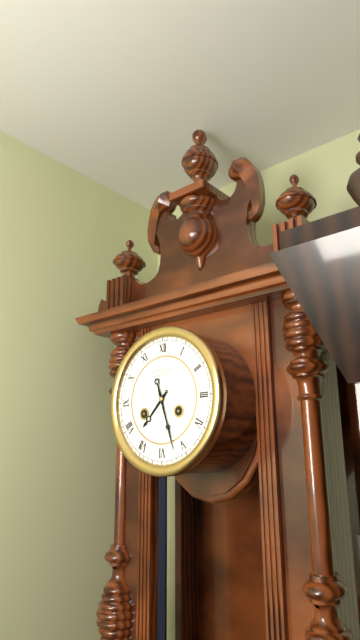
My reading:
7 h 27 min
